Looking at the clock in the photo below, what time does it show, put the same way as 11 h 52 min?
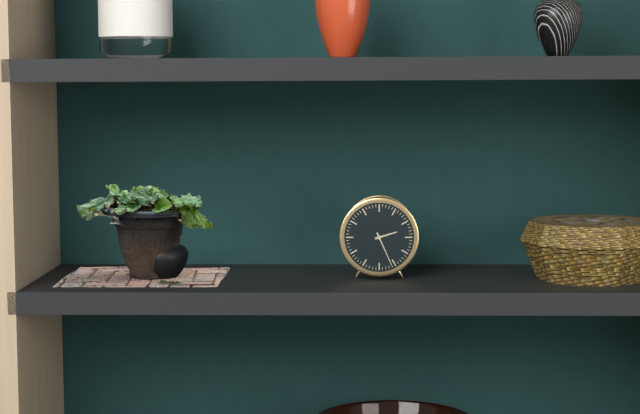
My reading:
2 h 26 min
